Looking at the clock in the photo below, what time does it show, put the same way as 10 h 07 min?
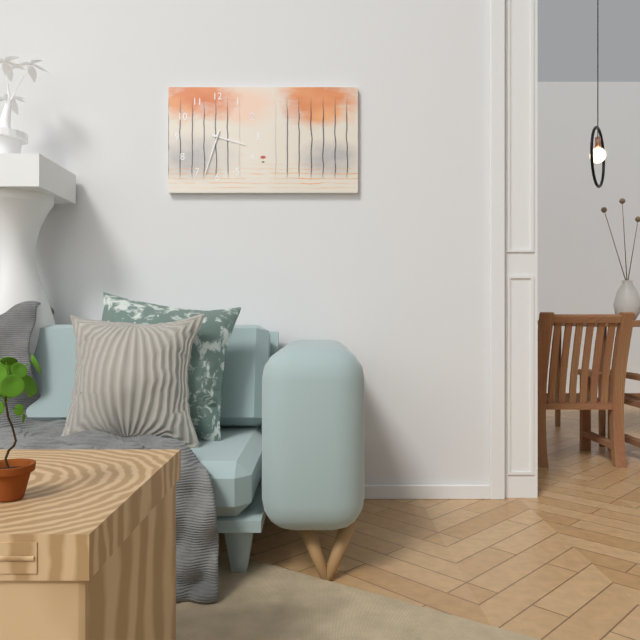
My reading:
3 h 33 min
